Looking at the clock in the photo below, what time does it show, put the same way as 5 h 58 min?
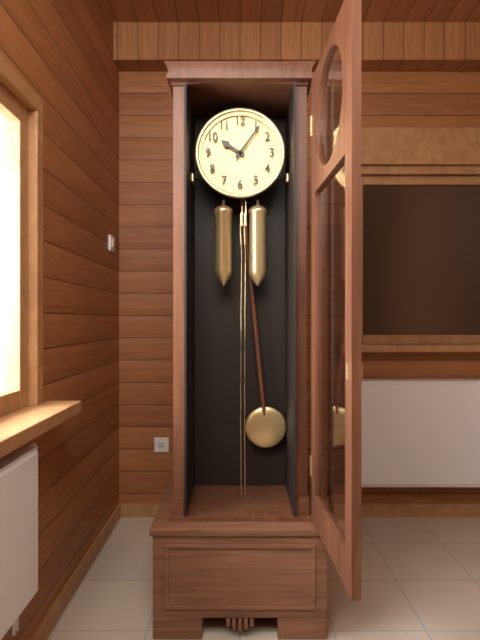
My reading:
10 h 06 min
